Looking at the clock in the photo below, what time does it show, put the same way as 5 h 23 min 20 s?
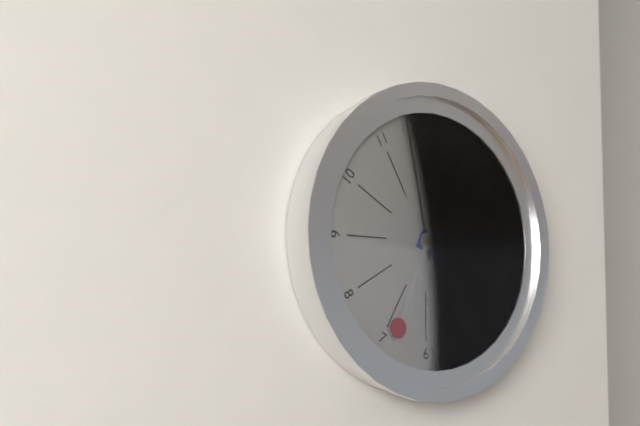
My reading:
3 h 58 min 34 s
